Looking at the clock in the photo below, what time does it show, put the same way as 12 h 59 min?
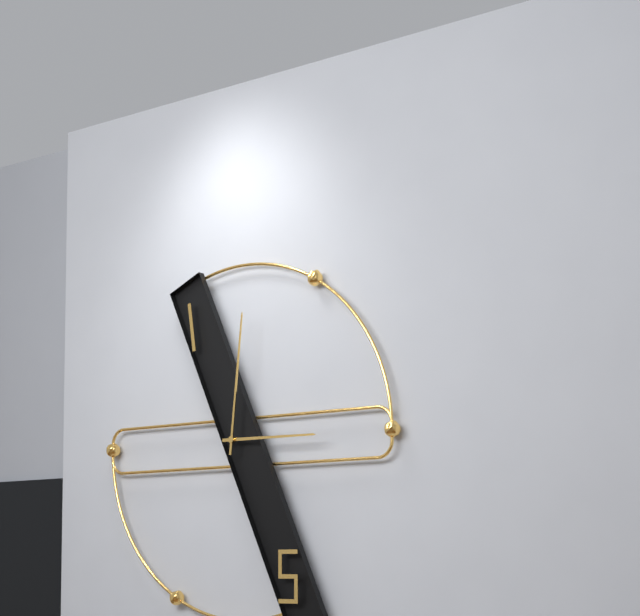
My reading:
3 h 01 min
